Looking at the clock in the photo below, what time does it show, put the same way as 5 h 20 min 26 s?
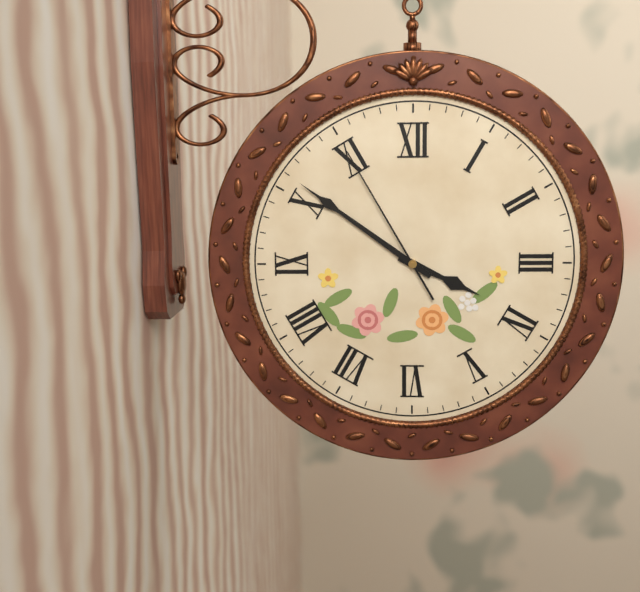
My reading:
3 h 51 min 55 s
